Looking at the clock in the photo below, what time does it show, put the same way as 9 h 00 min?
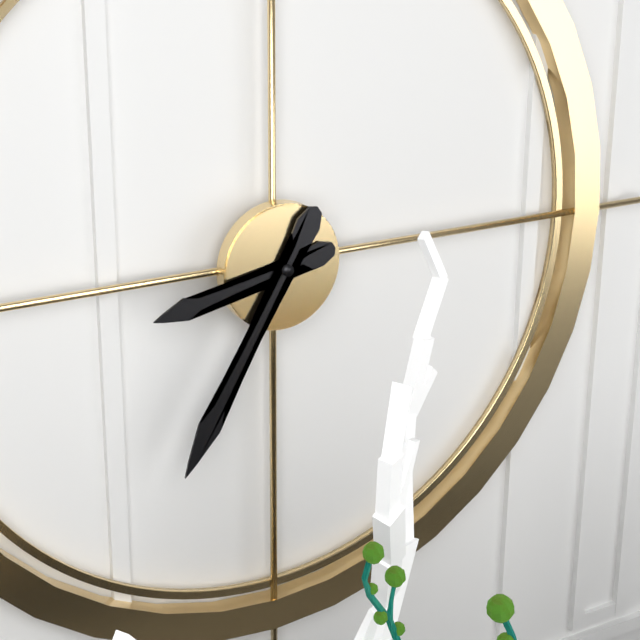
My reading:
8 h 35 min
